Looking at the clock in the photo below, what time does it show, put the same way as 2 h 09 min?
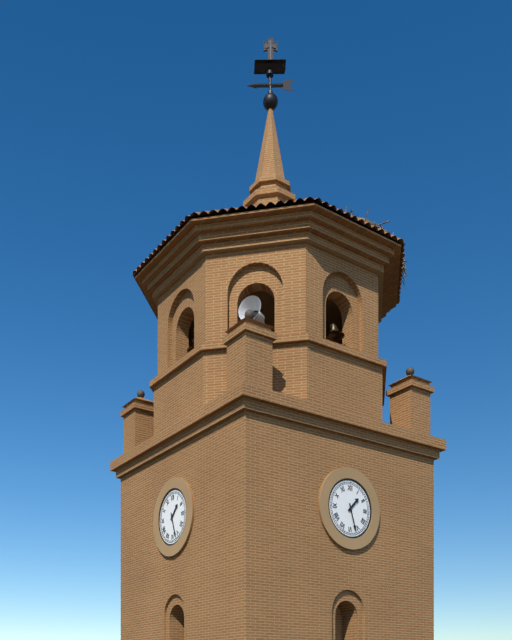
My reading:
1 h 27 min
